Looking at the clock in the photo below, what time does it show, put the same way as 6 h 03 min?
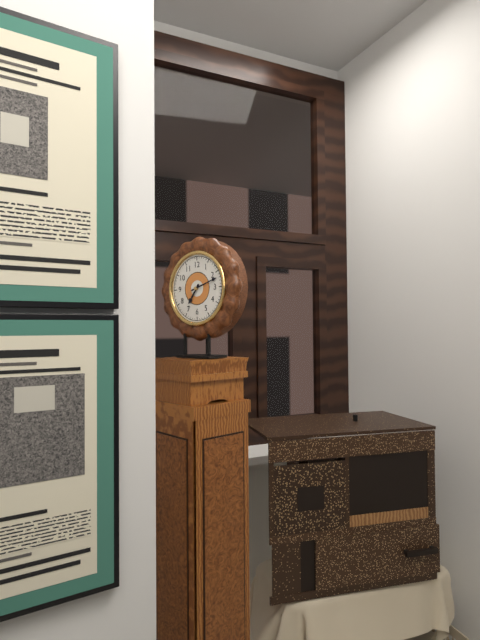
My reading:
7 h 12 min
